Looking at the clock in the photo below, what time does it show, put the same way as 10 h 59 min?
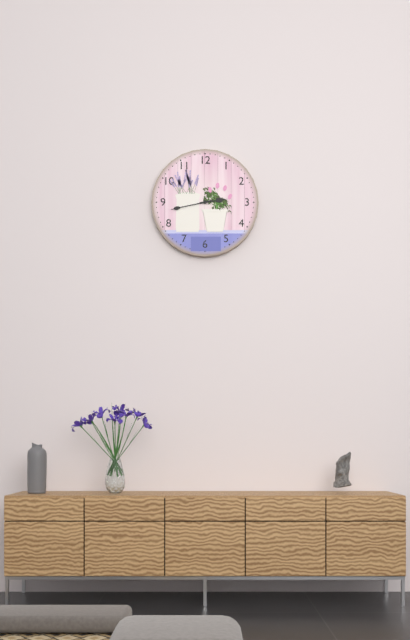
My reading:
2 h 43 min
